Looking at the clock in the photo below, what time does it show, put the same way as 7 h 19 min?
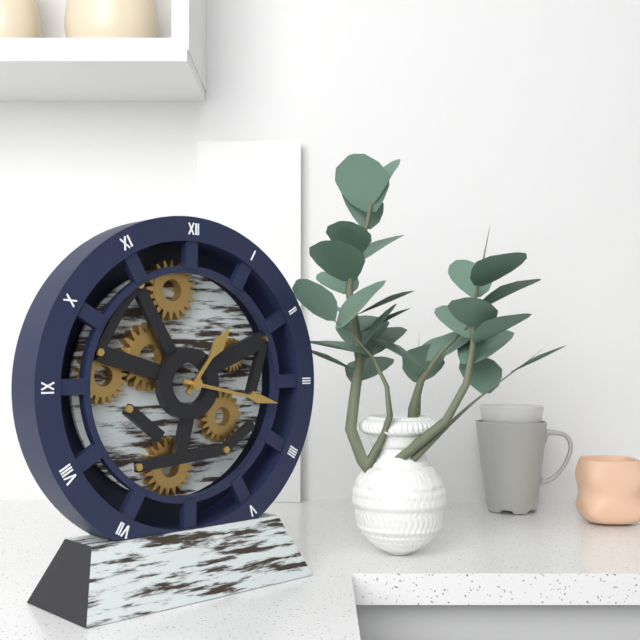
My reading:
1 h 17 min
